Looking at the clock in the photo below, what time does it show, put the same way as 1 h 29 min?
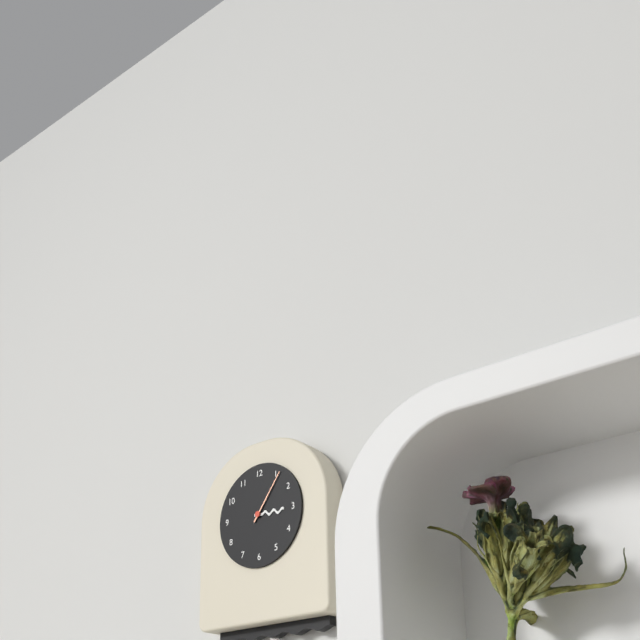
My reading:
3 h 06 min
